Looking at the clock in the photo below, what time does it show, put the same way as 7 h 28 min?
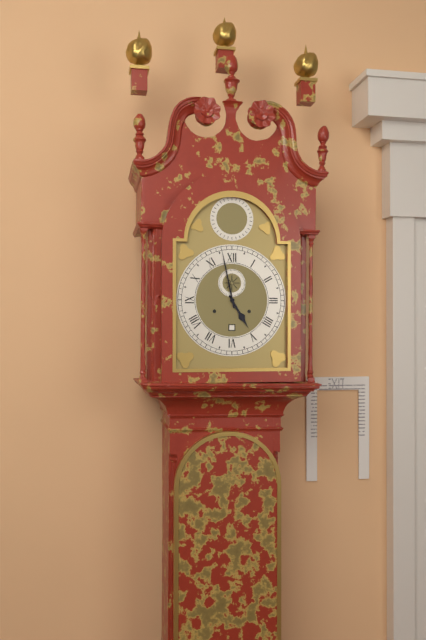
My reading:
4 h 58 min
